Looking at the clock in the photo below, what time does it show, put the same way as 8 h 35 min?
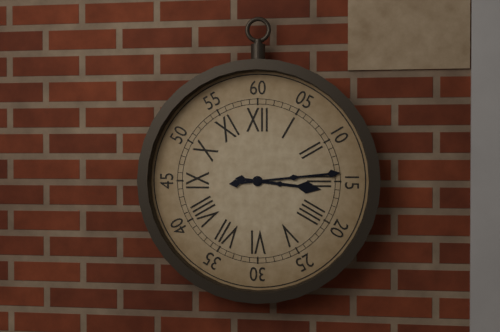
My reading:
3 h 14 min
